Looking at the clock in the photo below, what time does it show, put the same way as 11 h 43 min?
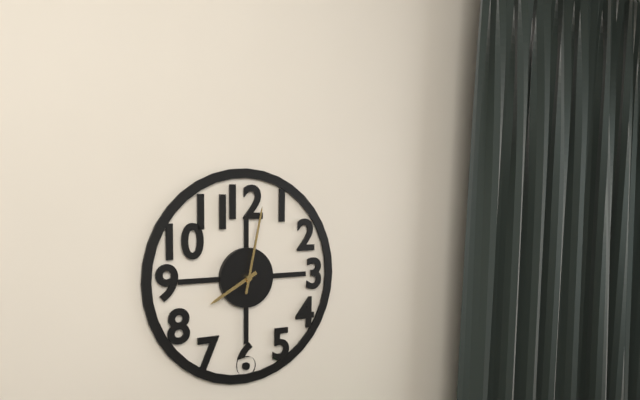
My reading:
8 h 02 min
